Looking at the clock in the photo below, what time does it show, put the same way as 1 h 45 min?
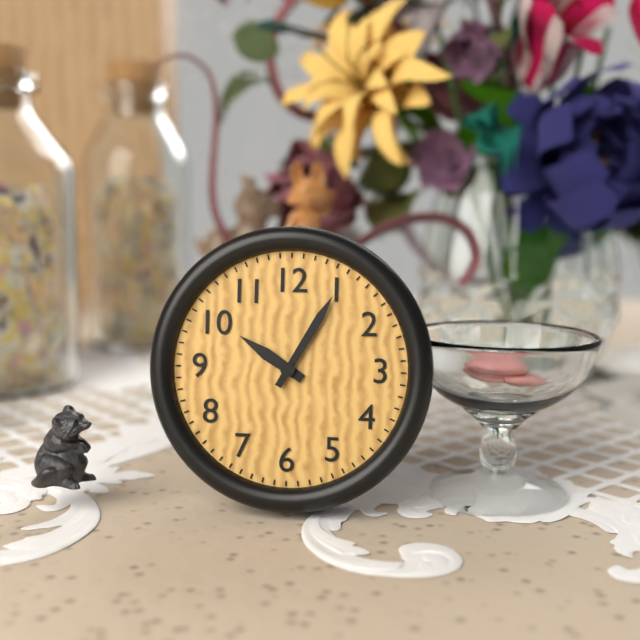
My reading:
10 h 05 min
